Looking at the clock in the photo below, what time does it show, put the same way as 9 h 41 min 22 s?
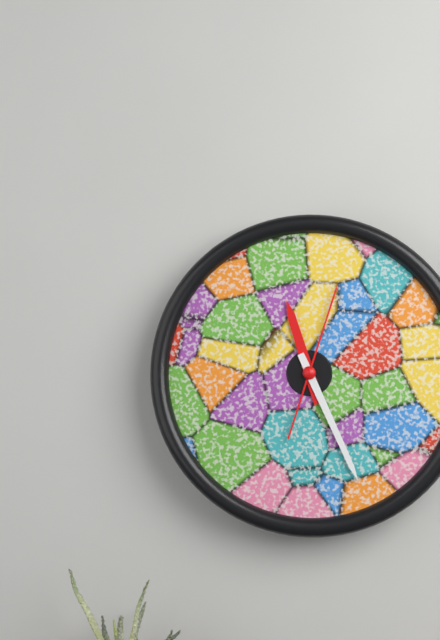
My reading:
11 h 26 min 03 s
